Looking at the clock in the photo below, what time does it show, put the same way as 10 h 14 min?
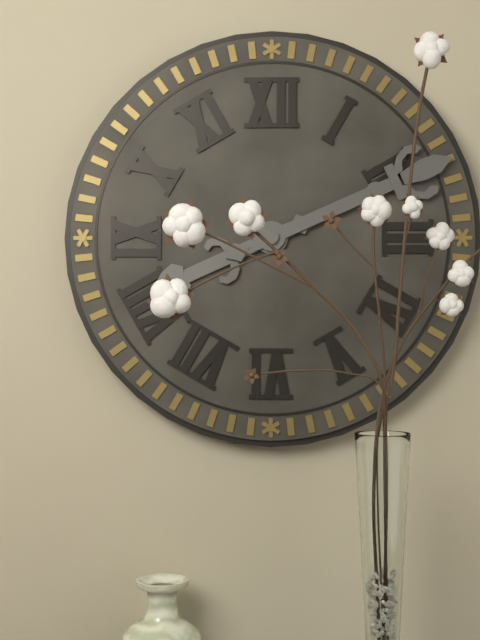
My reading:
8 h 11 min
